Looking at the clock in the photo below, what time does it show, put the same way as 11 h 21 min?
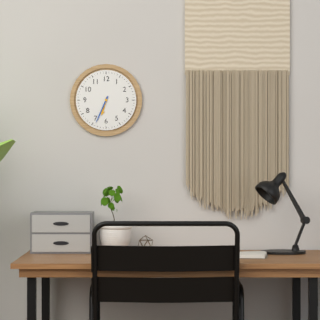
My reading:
6 h 34 min
